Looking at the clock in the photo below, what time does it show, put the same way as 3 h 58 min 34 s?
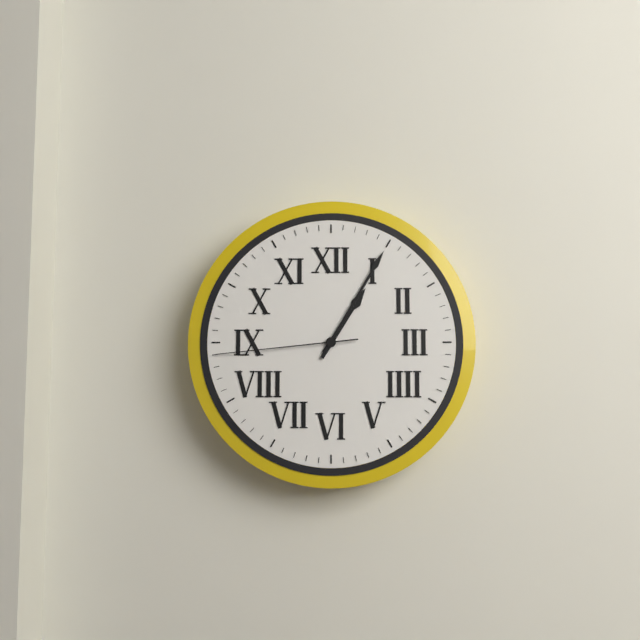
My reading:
1 h 05 min 44 s
